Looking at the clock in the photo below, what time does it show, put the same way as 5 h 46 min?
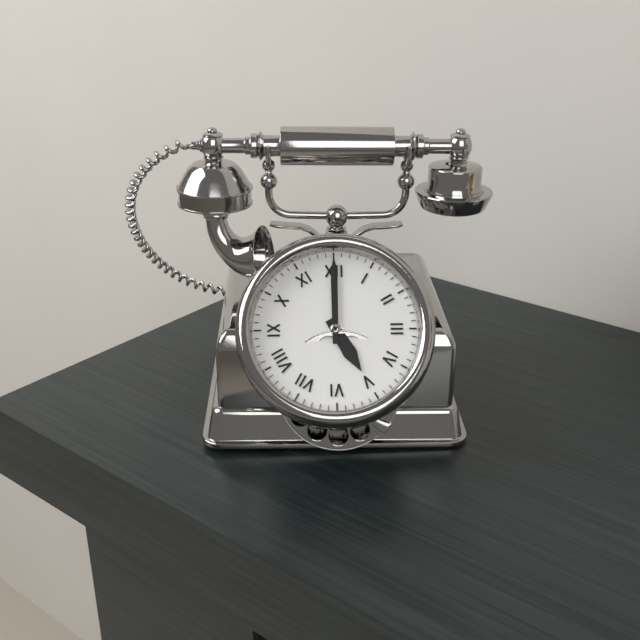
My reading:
5 h 00 min
